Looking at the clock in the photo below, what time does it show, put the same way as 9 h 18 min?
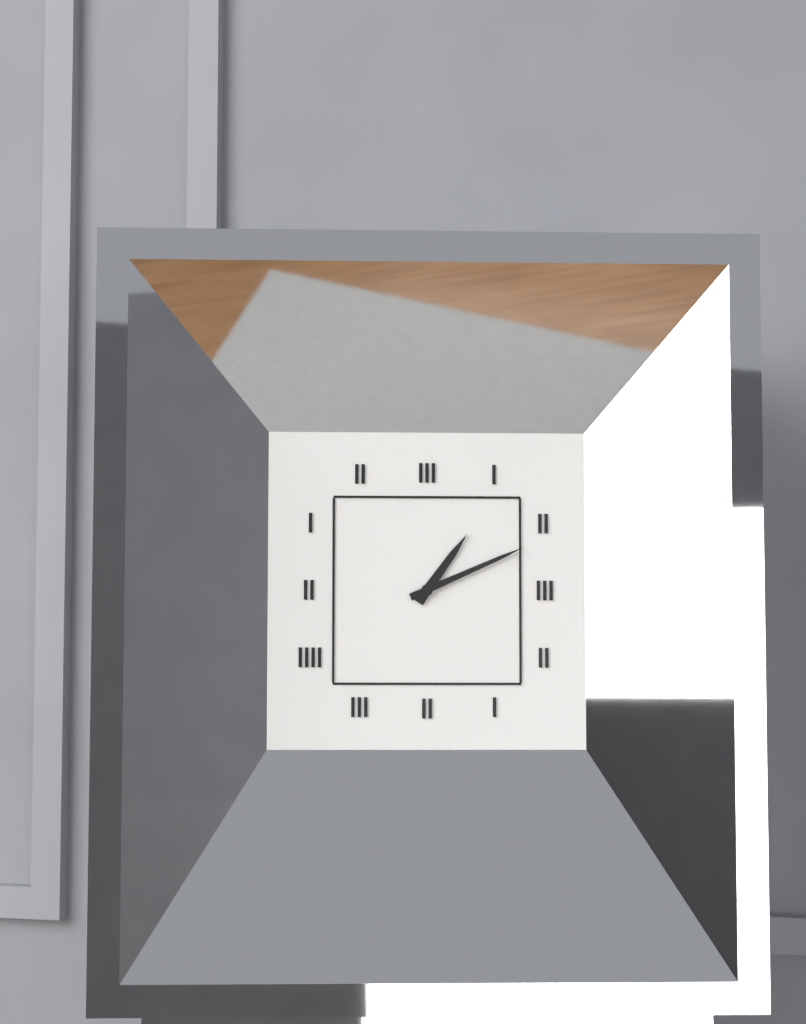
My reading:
1 h 11 min
